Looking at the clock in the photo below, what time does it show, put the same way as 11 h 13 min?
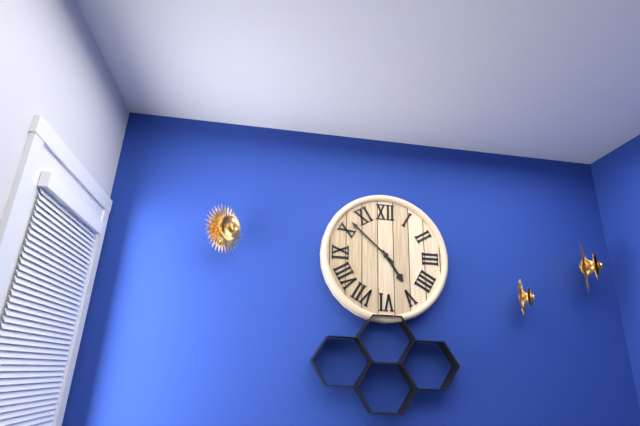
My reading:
4 h 52 min
